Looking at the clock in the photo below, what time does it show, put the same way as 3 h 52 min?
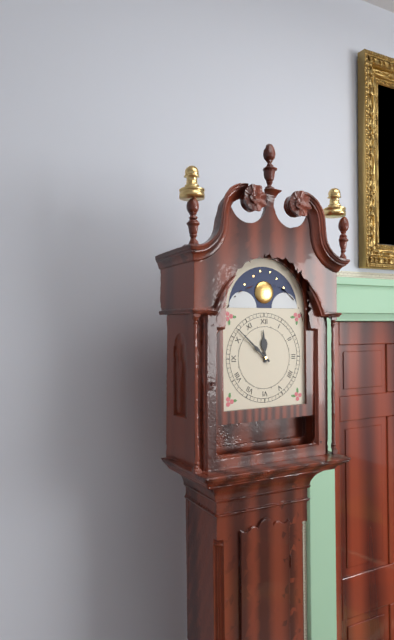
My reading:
11 h 52 min
